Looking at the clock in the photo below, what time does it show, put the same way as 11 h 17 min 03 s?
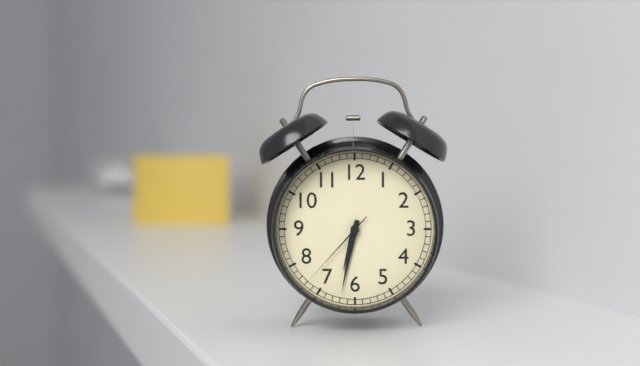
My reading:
6 h 32 min 37 s
